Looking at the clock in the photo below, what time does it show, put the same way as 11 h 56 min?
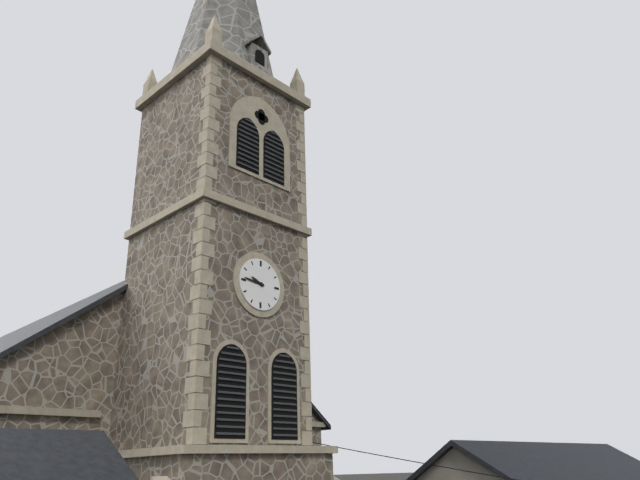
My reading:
9 h 46 min
